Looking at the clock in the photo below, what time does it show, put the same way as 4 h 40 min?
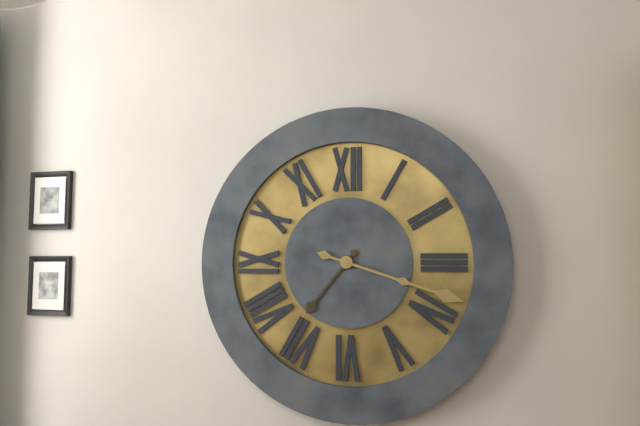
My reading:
7 h 18 min
